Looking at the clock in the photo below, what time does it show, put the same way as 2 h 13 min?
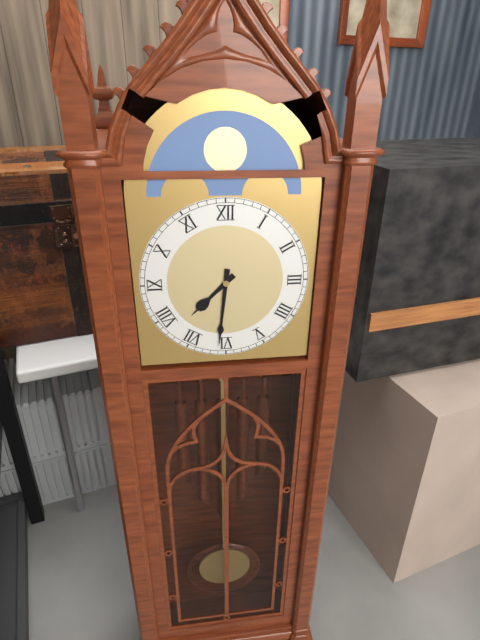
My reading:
7 h 31 min
